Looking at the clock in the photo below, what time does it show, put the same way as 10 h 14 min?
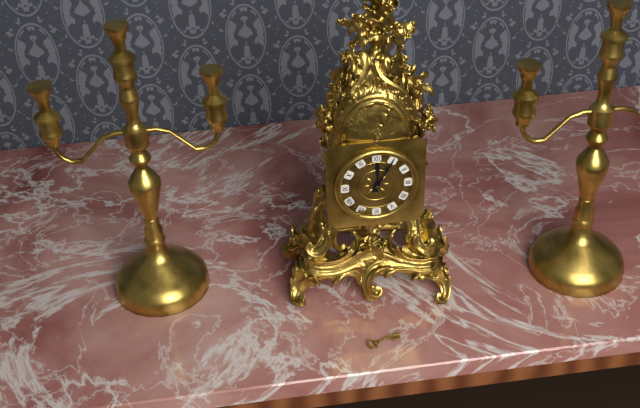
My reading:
12 h 05 min
